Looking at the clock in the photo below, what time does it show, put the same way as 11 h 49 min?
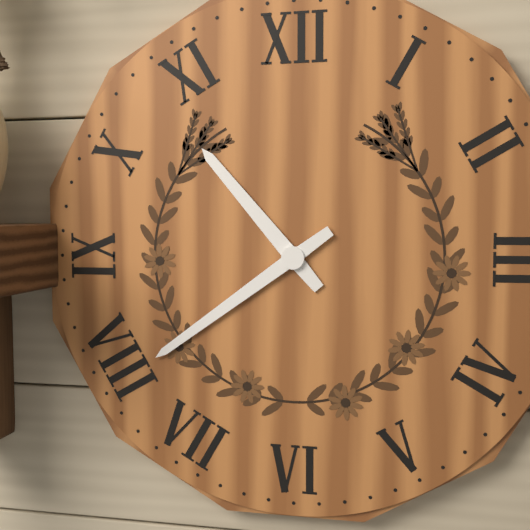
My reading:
10 h 39 min
